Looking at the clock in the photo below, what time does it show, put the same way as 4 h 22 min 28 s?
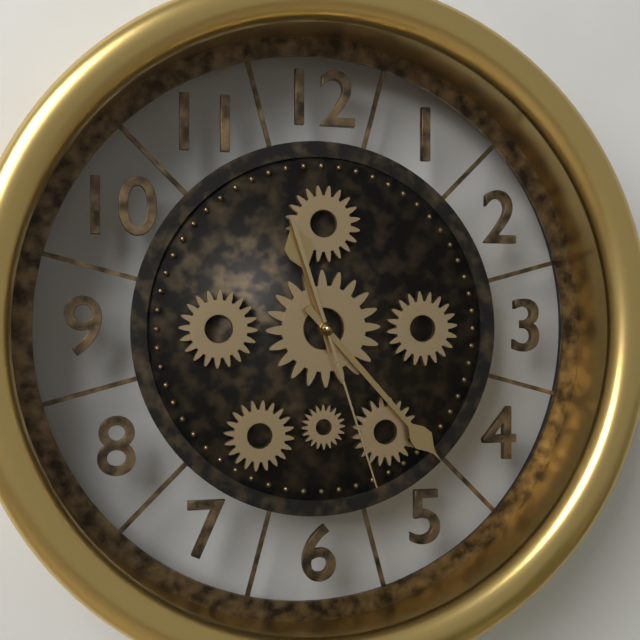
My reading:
11 h 23 min 27 s
